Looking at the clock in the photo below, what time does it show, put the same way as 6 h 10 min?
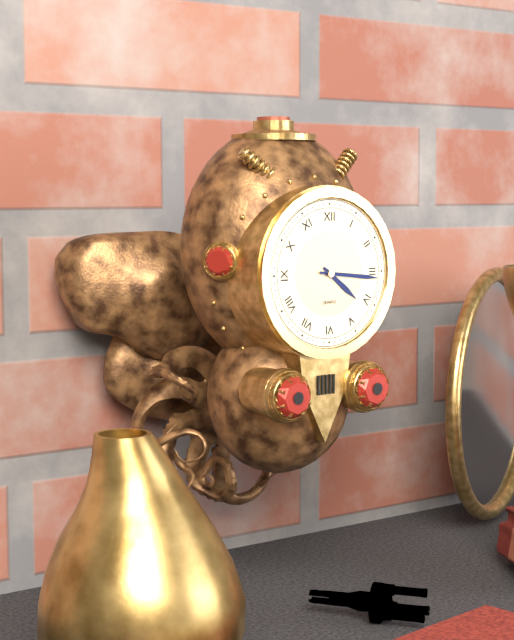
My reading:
4 h 16 min
